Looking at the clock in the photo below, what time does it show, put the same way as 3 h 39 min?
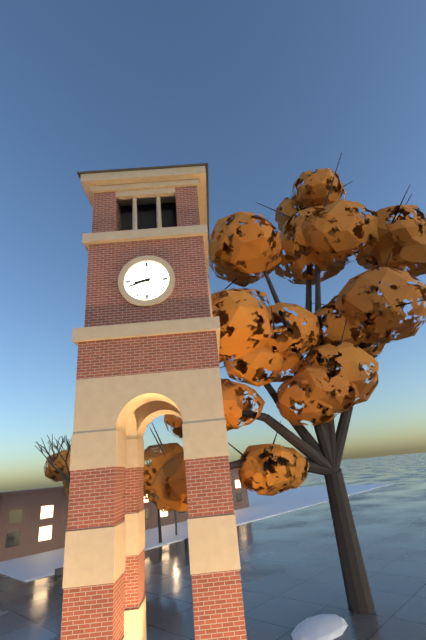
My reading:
8 h 42 min
